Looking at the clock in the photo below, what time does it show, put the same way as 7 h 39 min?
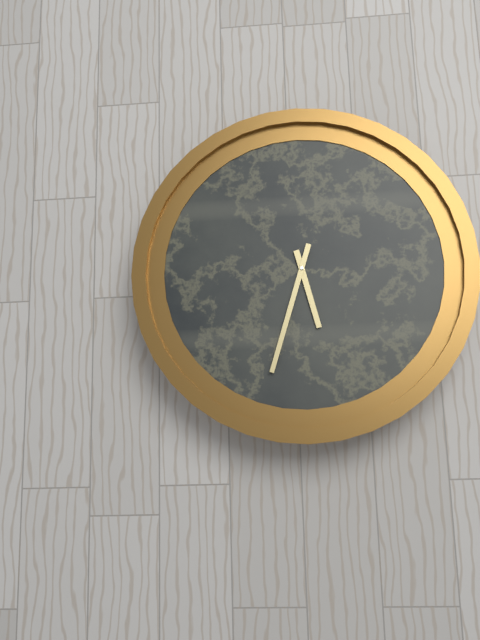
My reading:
5 h 33 min
